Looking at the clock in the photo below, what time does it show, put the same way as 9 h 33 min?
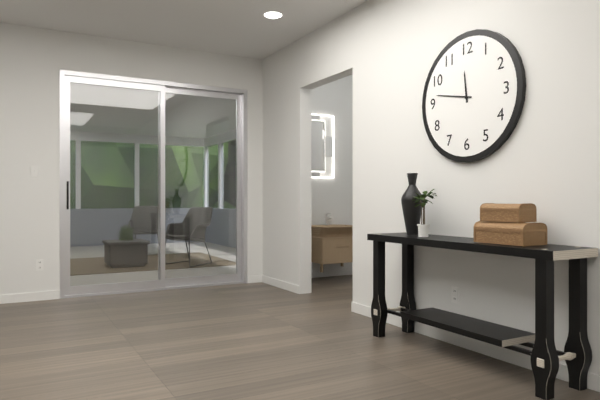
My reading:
11 h 47 min
